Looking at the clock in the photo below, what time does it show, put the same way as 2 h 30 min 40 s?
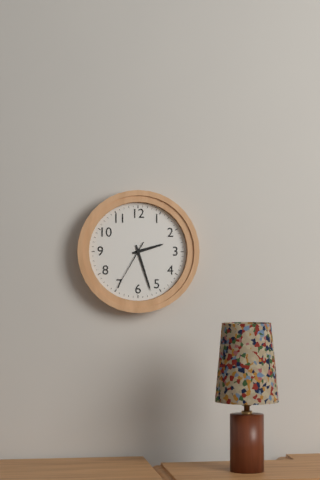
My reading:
2 h 27 min 35 s
